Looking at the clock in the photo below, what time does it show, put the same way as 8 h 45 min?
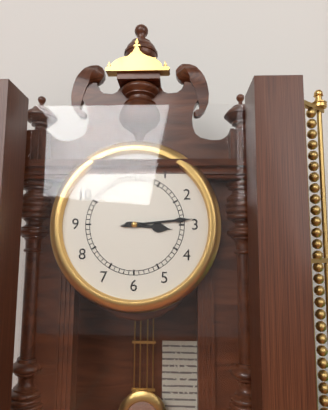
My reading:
3 h 14 min
